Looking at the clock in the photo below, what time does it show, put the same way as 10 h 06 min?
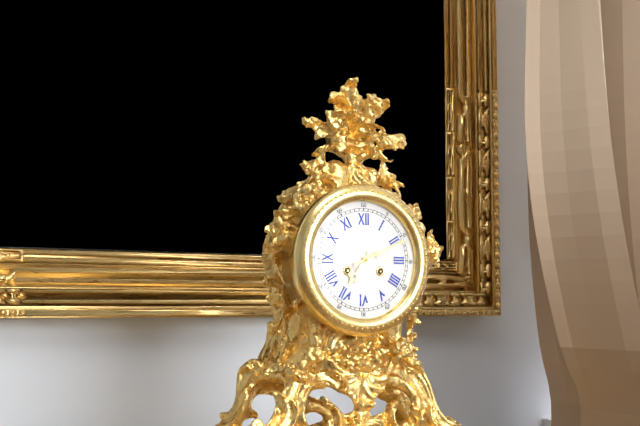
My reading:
7 h 11 min
